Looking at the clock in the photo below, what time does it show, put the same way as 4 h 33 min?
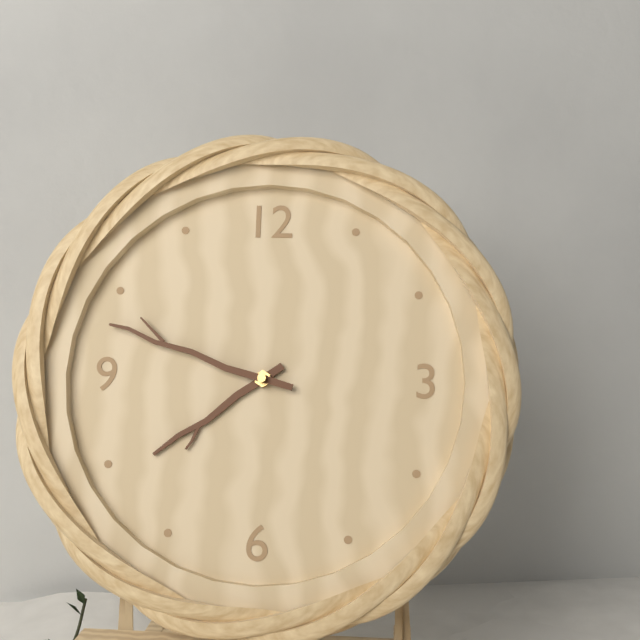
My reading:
7 h 48 min
